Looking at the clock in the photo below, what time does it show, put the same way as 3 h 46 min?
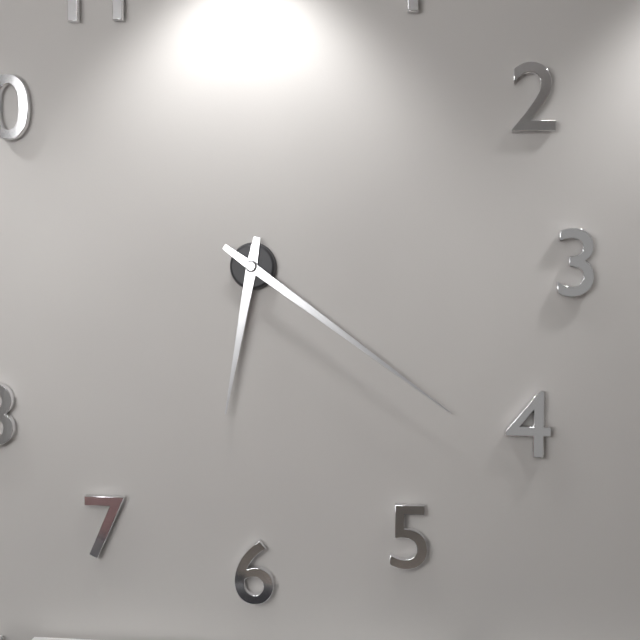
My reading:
6 h 21 min
